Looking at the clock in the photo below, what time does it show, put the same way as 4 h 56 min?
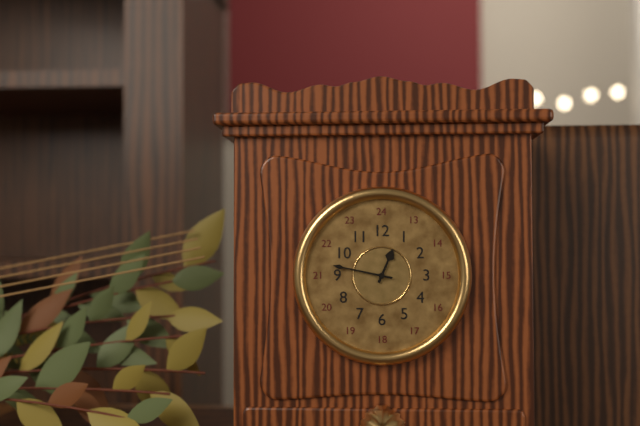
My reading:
12 h 47 min
